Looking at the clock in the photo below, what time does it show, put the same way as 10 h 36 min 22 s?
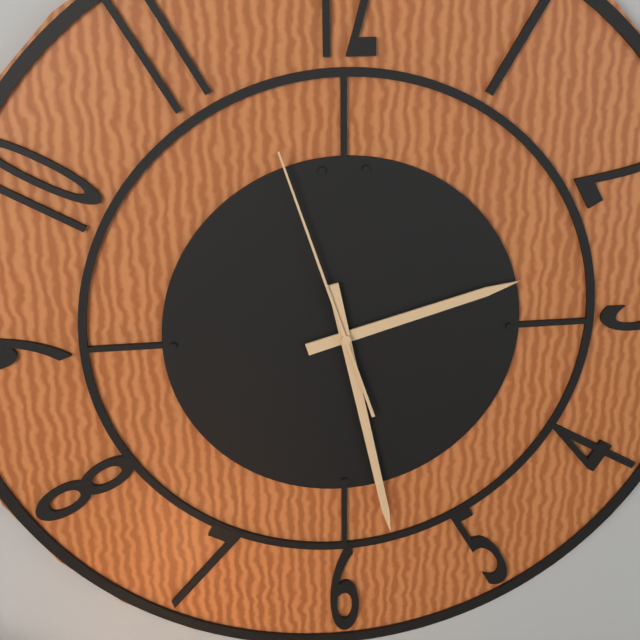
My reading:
2 h 28 min 57 s
